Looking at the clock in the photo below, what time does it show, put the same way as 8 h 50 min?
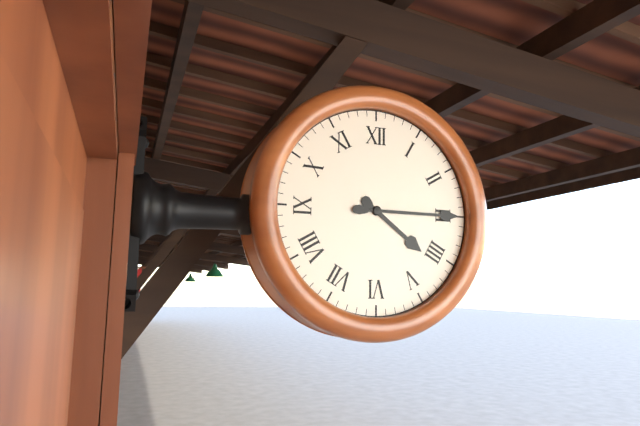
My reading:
4 h 15 min
